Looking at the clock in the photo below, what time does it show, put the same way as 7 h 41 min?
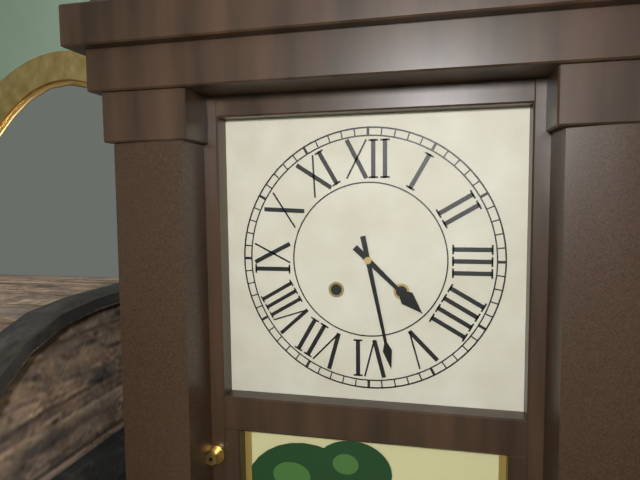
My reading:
4 h 28 min
